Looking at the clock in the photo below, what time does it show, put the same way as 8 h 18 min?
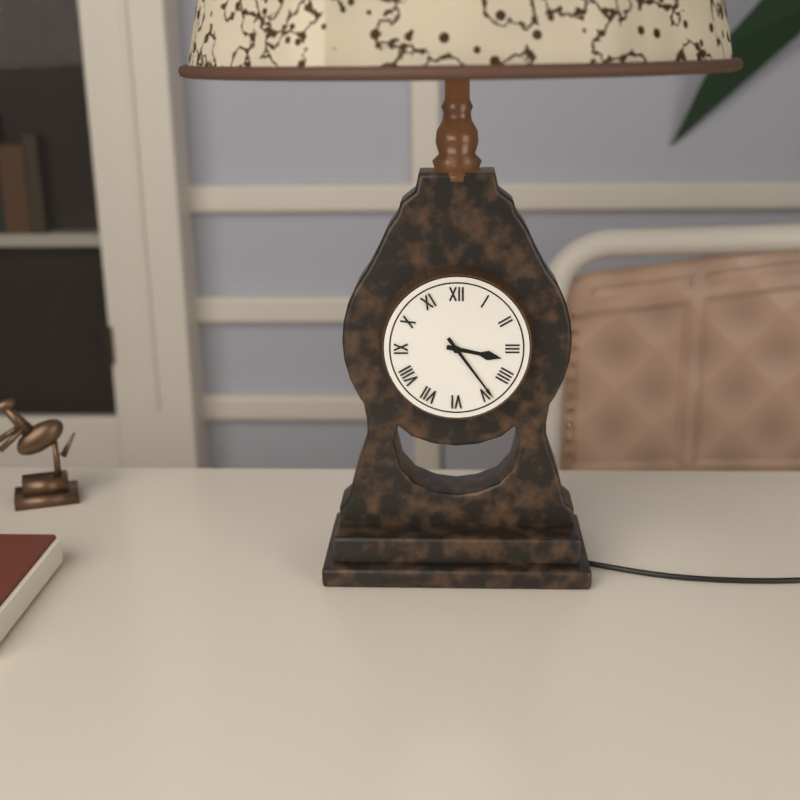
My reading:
3 h 24 min
